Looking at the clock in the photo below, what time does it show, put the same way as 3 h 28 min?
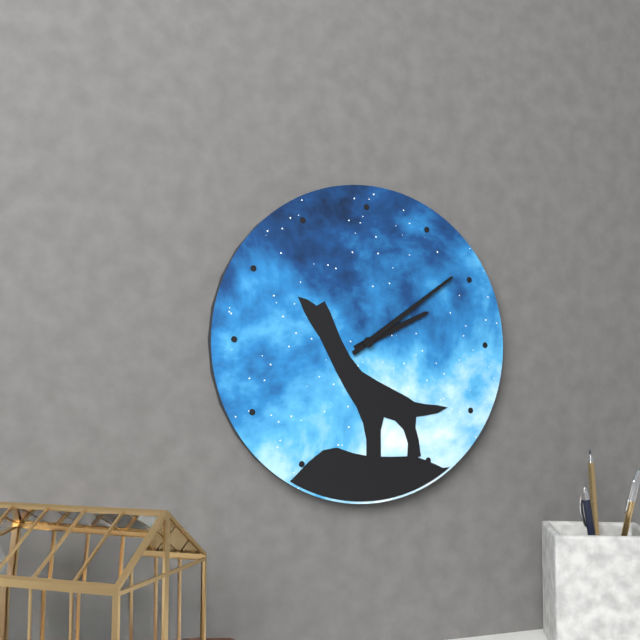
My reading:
2 h 09 min
